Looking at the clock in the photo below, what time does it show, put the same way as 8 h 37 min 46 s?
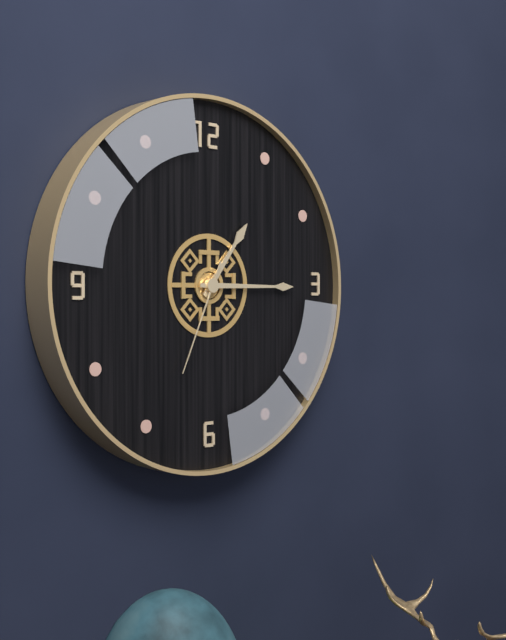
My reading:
1 h 15 min 34 s
